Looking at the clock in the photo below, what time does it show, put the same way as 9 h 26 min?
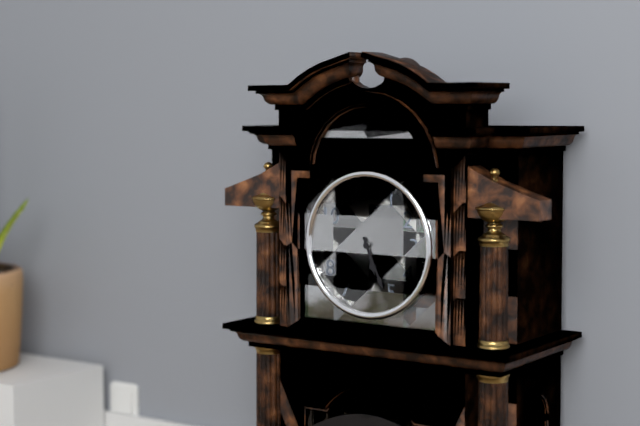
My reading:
5 h 26 min
